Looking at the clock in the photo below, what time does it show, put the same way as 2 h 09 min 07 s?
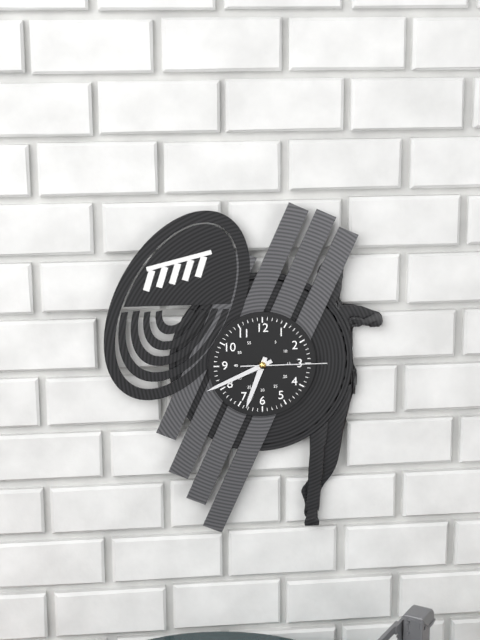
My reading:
6 h 41 min 15 s
